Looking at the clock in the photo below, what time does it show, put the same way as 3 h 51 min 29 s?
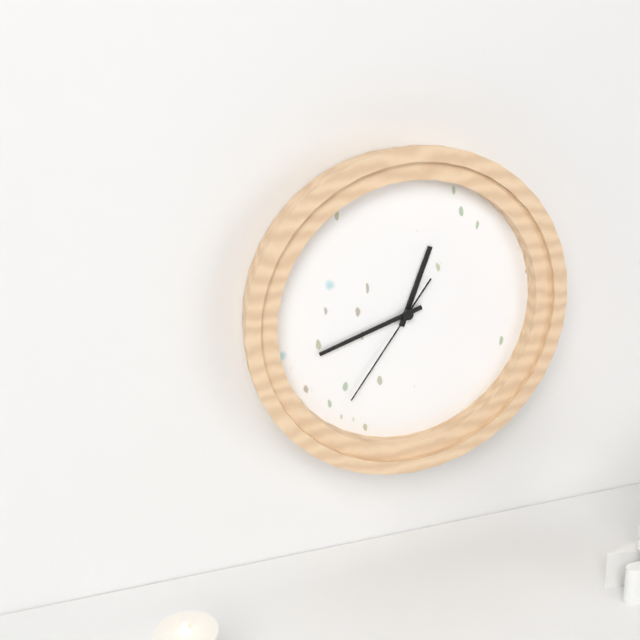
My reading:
12 h 42 min 36 s
